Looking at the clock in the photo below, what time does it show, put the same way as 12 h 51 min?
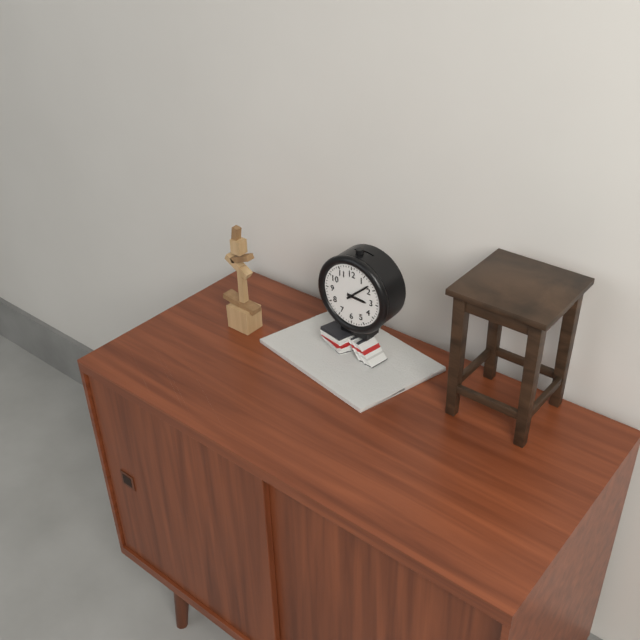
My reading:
3 h 08 min
